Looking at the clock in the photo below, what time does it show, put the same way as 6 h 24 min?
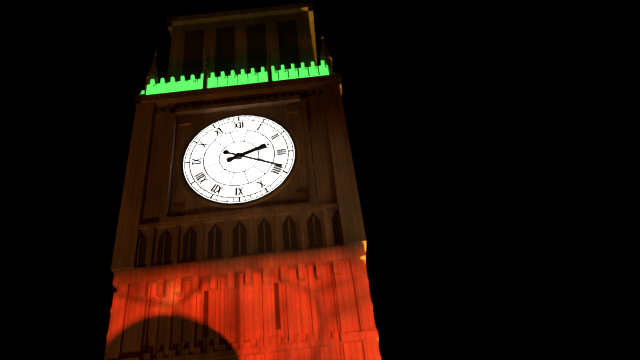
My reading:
2 h 19 min
